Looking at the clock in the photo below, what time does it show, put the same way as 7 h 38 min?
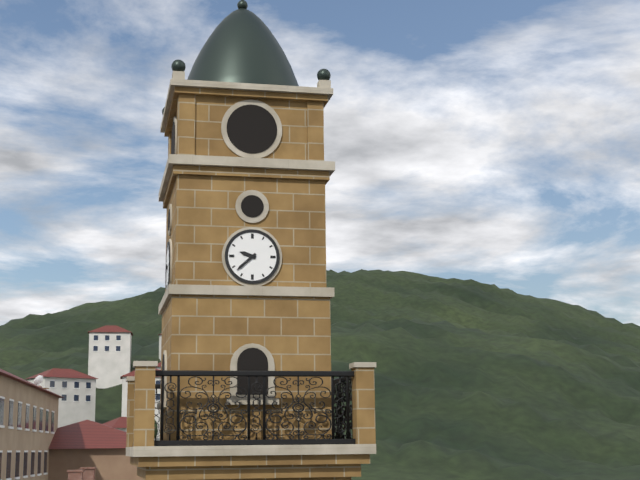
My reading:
9 h 38 min
